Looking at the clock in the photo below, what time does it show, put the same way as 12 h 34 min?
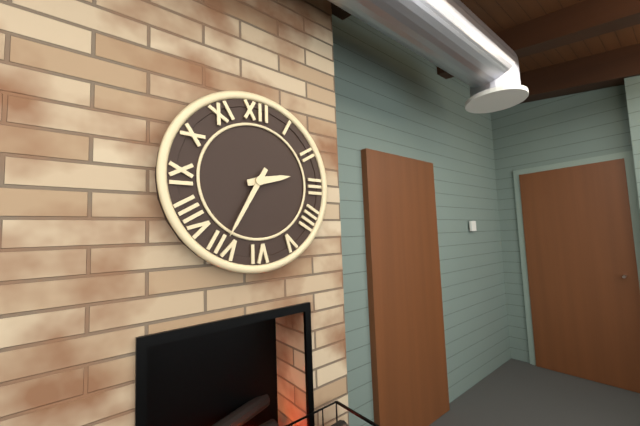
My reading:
2 h 35 min
